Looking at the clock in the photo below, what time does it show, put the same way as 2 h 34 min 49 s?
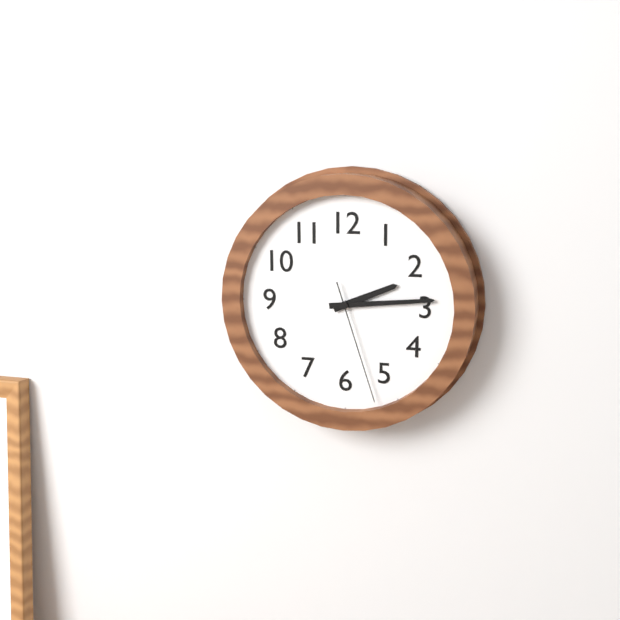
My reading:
2 h 14 min 27 s
